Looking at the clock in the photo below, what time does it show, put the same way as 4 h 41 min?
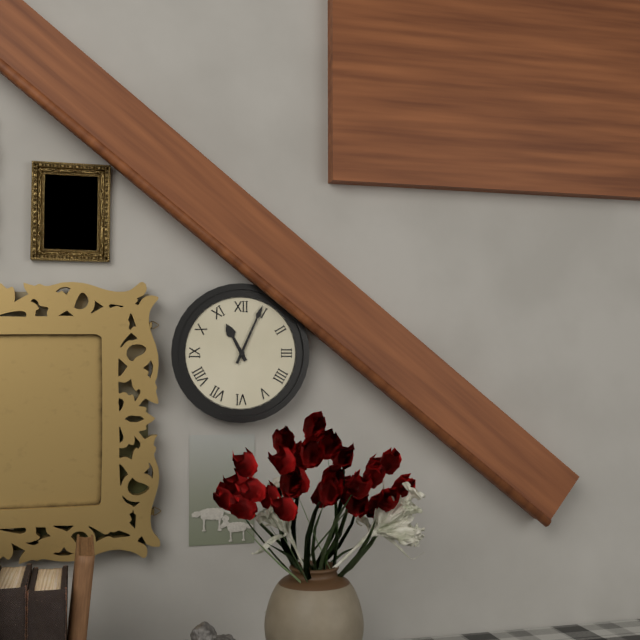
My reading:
11 h 04 min
